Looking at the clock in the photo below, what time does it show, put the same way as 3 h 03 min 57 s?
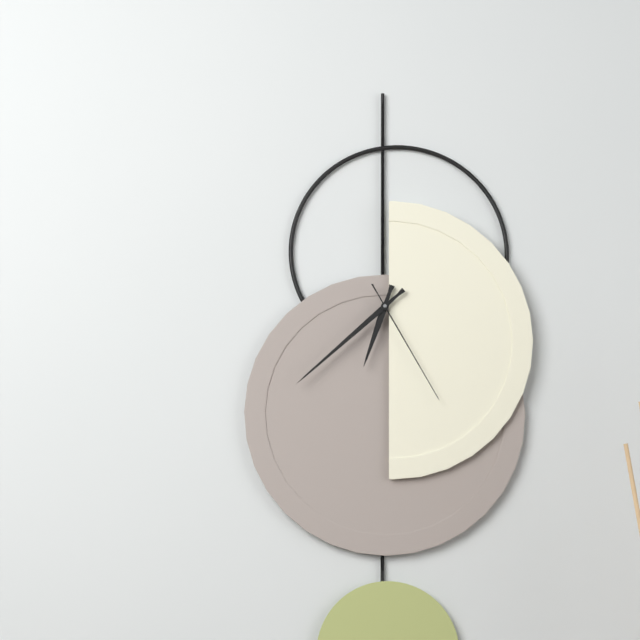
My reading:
6 h 38 min 25 s
